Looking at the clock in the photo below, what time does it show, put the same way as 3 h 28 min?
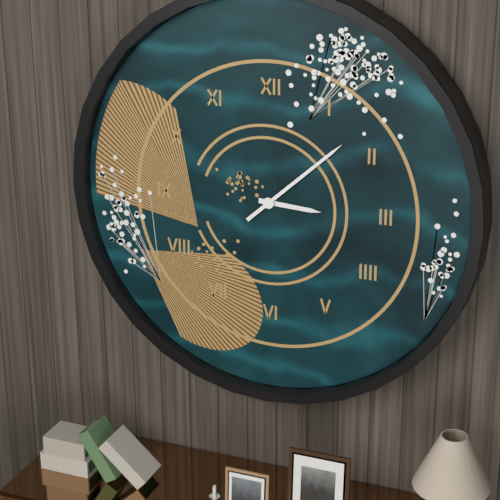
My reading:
3 h 08 min
